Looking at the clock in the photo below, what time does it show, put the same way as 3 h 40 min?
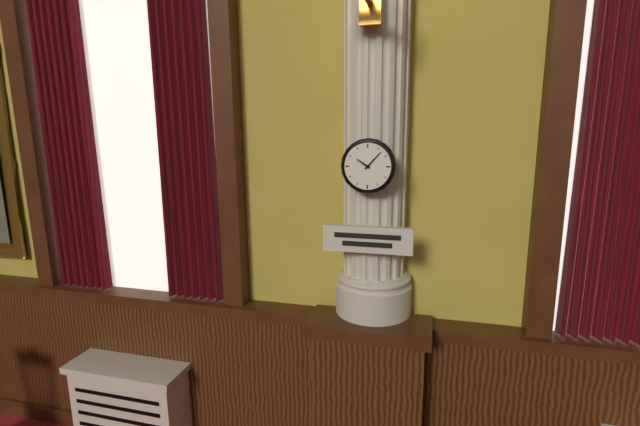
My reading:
10 h 07 min
